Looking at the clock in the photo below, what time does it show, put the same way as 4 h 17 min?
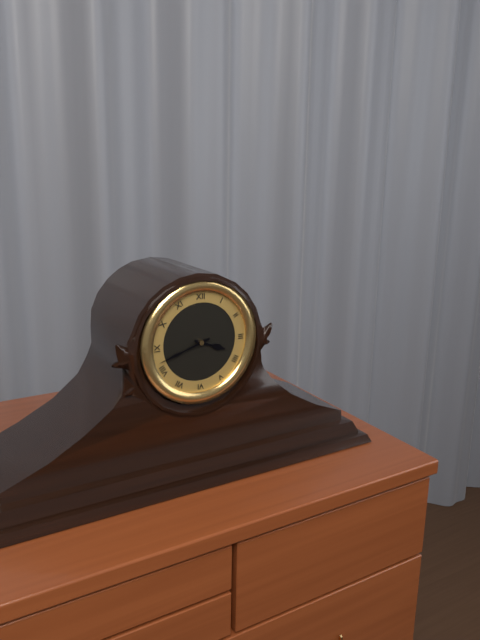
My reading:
3 h 42 min
